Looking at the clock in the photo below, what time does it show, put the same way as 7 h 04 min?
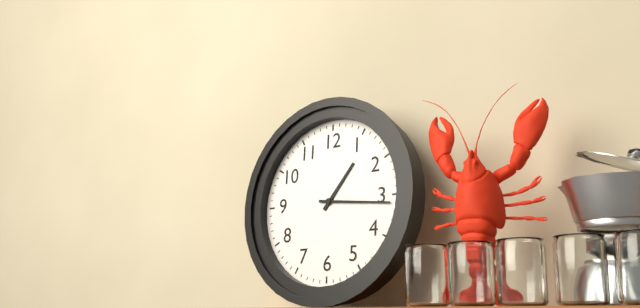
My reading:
1 h 16 min
